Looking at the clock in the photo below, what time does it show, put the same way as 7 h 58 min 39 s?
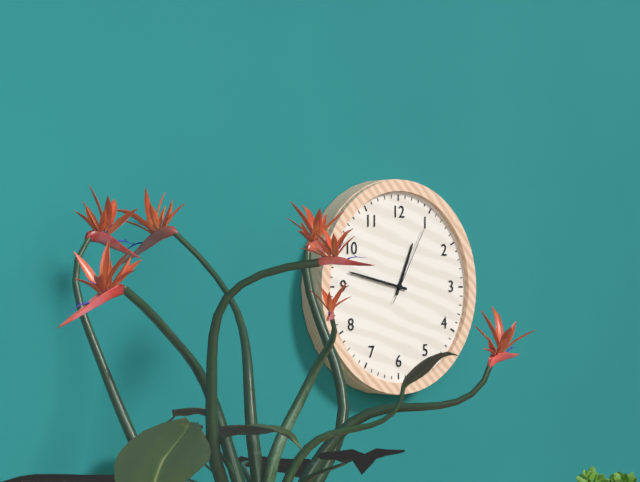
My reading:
12 h 47 min 05 s
